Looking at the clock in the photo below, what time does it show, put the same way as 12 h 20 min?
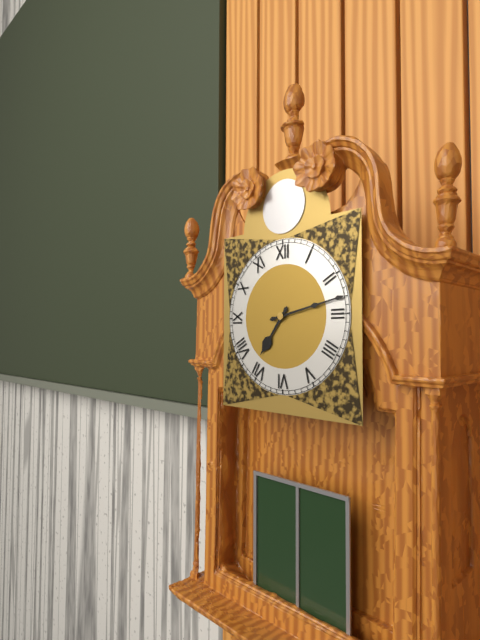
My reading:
7 h 13 min
